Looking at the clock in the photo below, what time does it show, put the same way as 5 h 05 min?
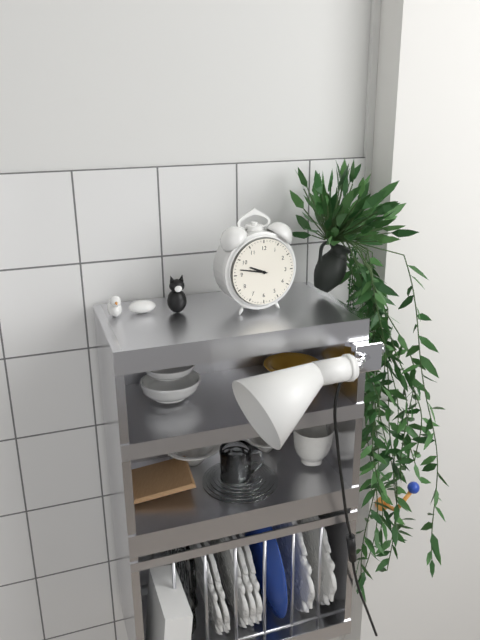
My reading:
9 h 47 min
